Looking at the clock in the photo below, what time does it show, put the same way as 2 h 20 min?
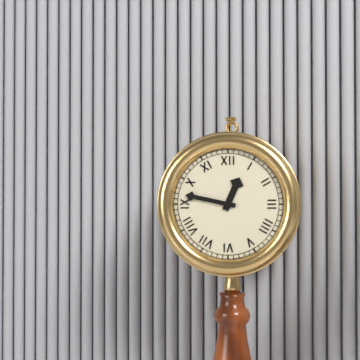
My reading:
12 h 47 min
